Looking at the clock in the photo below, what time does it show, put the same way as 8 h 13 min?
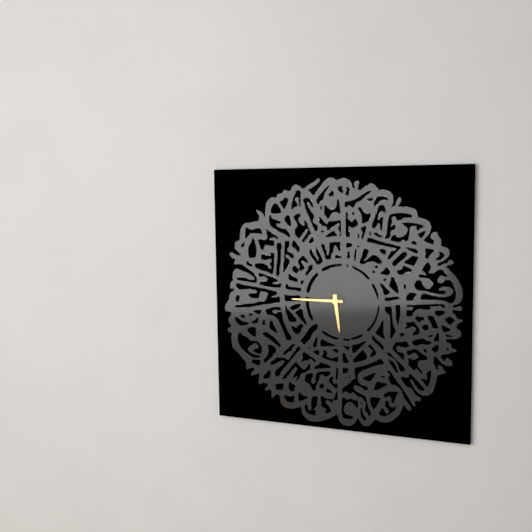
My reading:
5 h 45 min
